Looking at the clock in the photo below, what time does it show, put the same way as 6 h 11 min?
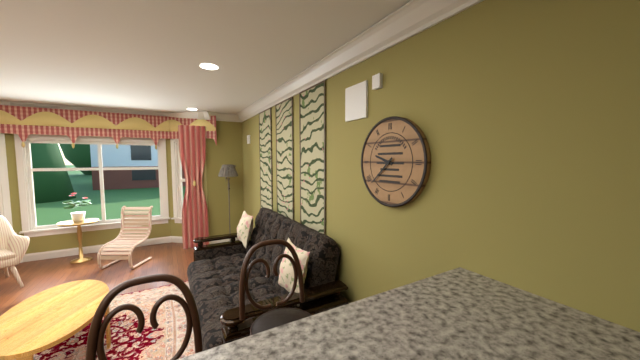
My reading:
9 h 38 min
